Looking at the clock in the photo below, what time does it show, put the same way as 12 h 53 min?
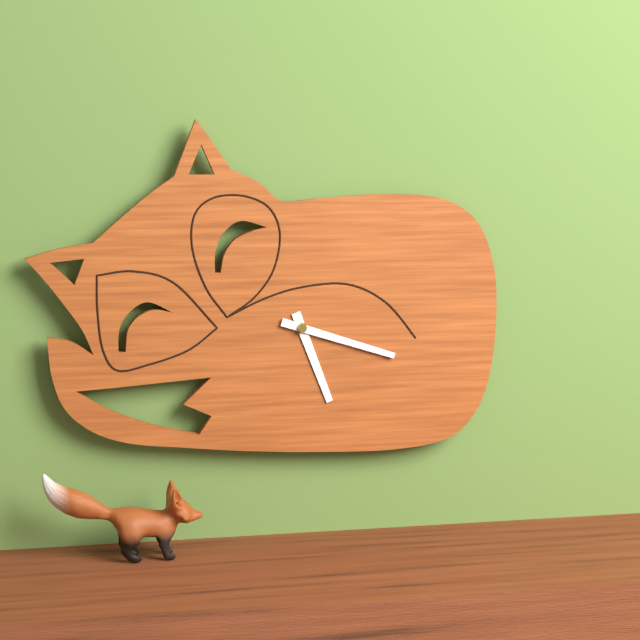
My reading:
5 h 18 min
